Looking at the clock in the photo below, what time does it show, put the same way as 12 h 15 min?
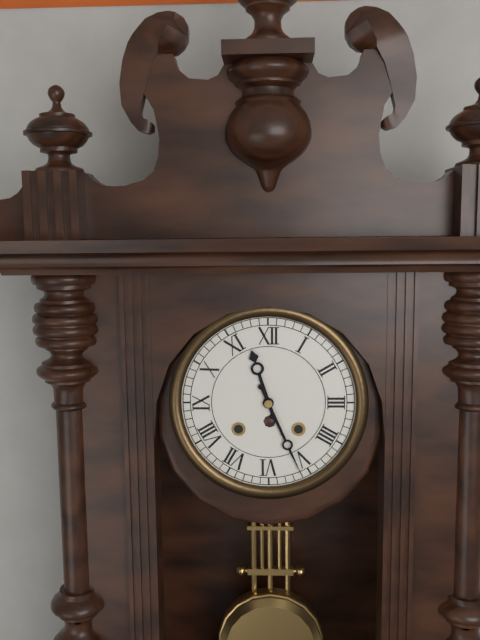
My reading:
11 h 26 min
